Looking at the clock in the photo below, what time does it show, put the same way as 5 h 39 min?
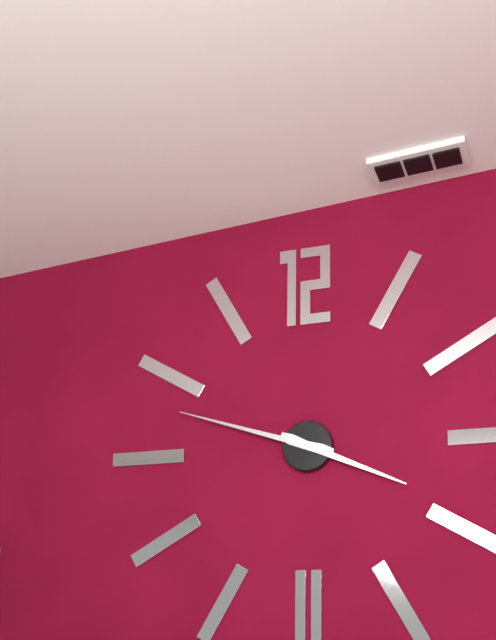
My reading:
3 h 48 min
